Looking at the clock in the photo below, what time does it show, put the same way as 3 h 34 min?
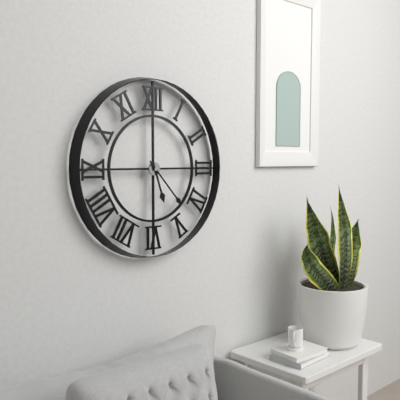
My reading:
5 h 23 min
